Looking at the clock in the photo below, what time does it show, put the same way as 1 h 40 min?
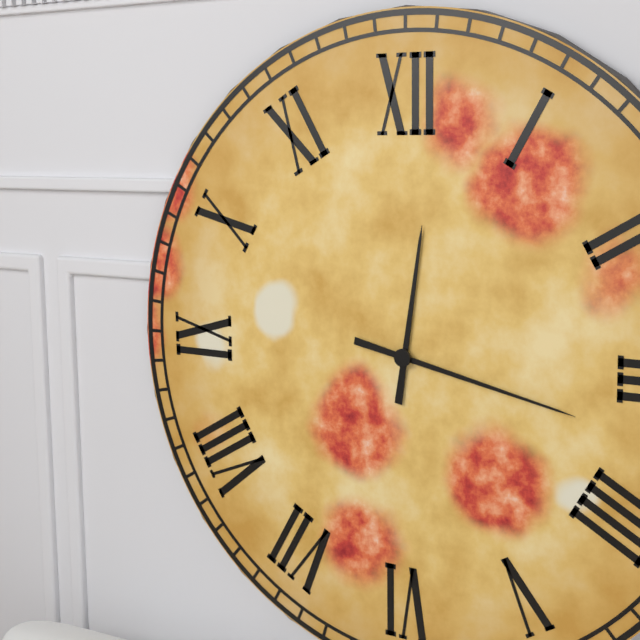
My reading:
12 h 17 min
